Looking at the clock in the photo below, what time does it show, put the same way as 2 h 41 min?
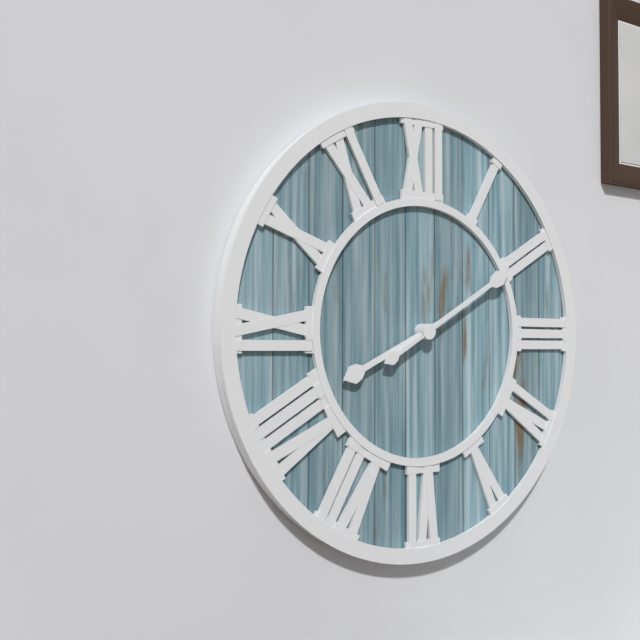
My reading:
8 h 10 min
